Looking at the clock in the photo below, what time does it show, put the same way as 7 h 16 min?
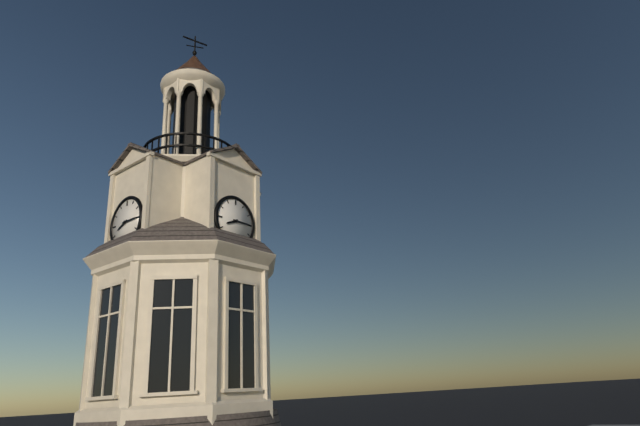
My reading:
8 h 15 min
